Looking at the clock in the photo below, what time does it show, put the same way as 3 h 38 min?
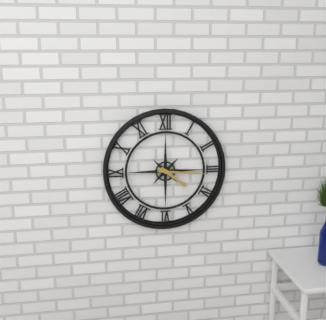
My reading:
4 h 16 min
